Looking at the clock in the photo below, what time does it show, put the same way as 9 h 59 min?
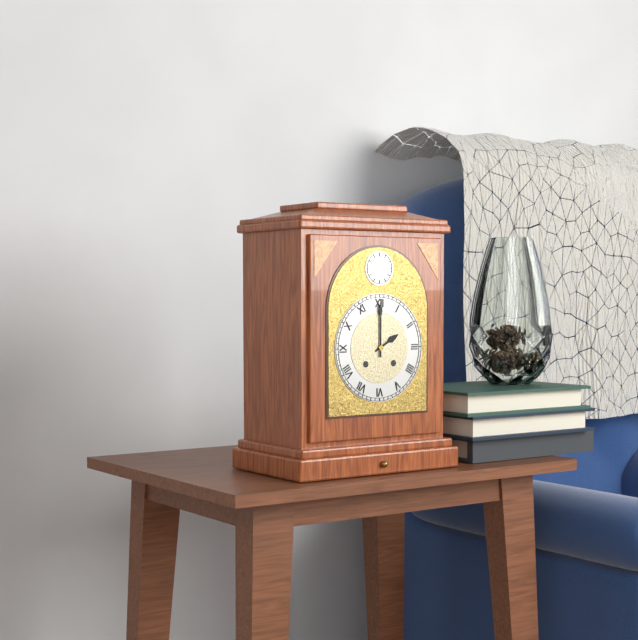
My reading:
2 h 00 min
